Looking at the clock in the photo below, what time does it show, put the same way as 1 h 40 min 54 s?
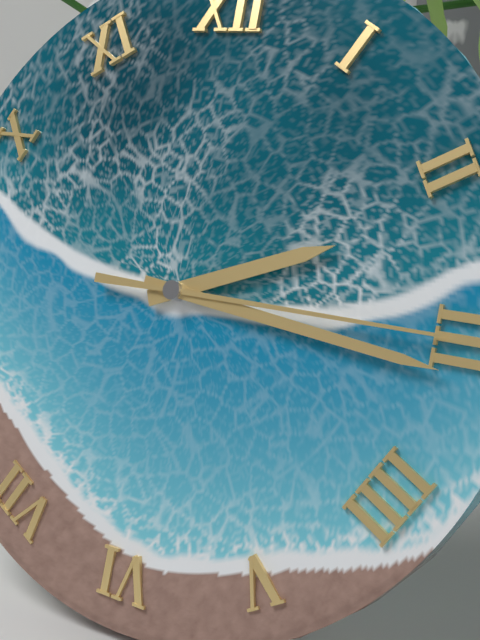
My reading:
2 h 16 min 15 s
